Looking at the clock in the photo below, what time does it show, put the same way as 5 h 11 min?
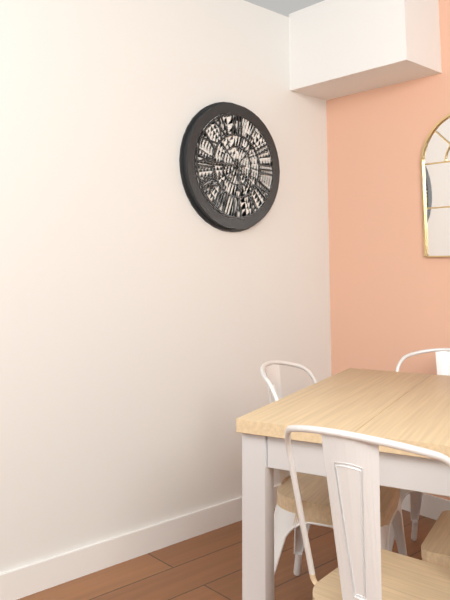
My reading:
5 h 45 min
